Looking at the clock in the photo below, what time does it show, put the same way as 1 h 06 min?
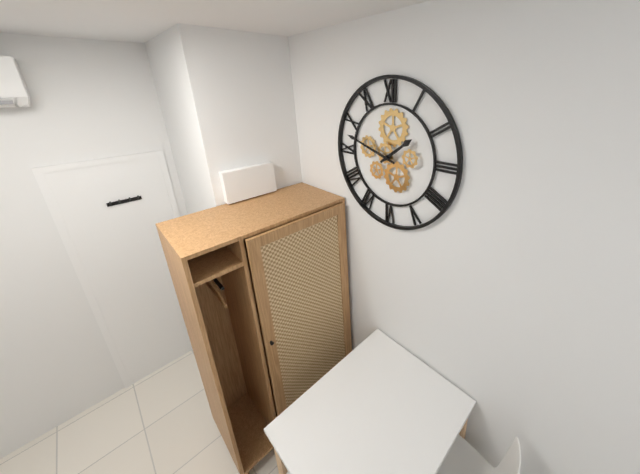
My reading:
1 h 48 min
